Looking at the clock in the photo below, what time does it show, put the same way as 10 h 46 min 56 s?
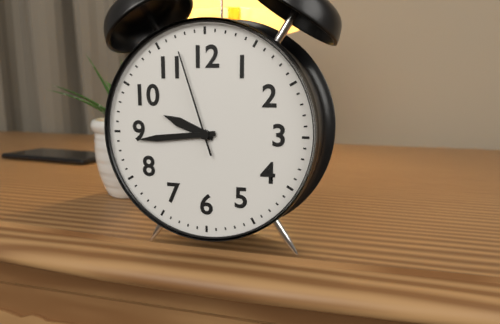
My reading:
9 h 44 min 57 s
